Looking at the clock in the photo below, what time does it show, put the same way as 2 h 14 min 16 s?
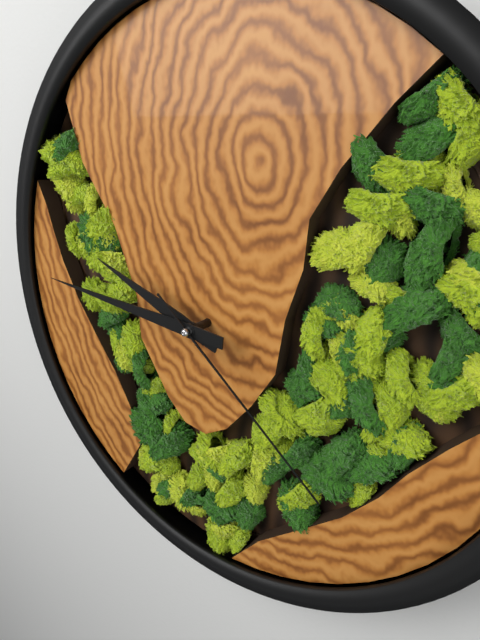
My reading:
9 h 46 min 22 s
